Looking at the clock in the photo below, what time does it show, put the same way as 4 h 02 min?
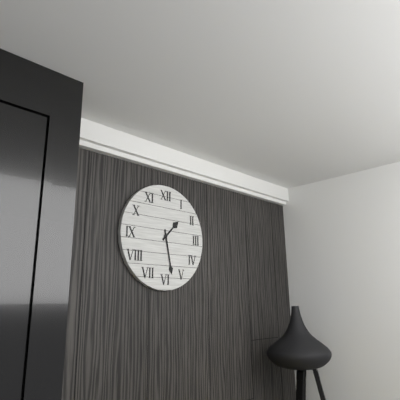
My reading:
1 h 28 min
